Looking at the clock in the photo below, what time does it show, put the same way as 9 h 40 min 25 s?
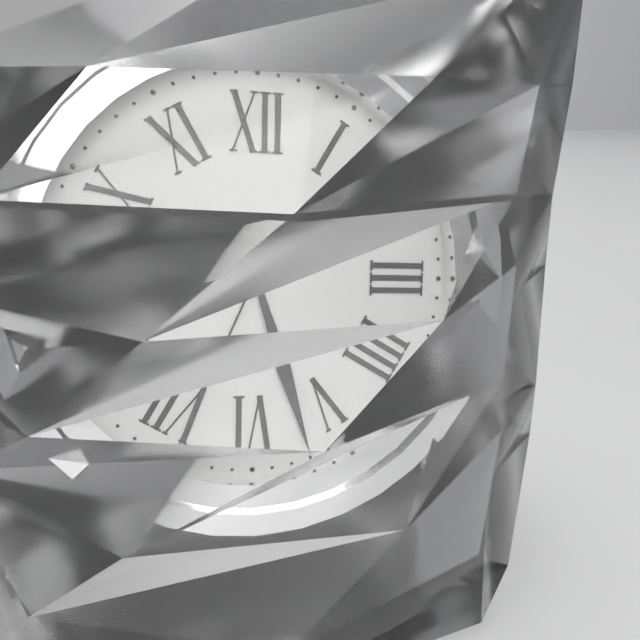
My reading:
8 h 27 min 34 s
